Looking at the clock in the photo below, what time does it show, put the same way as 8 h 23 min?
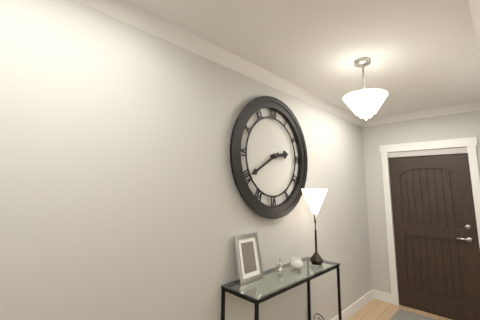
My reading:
2 h 40 min
